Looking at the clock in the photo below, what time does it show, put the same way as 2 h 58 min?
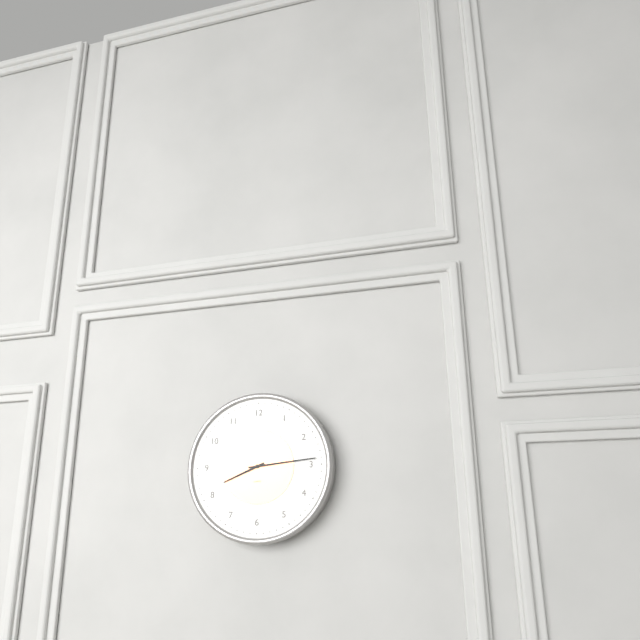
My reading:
8 h 14 min
